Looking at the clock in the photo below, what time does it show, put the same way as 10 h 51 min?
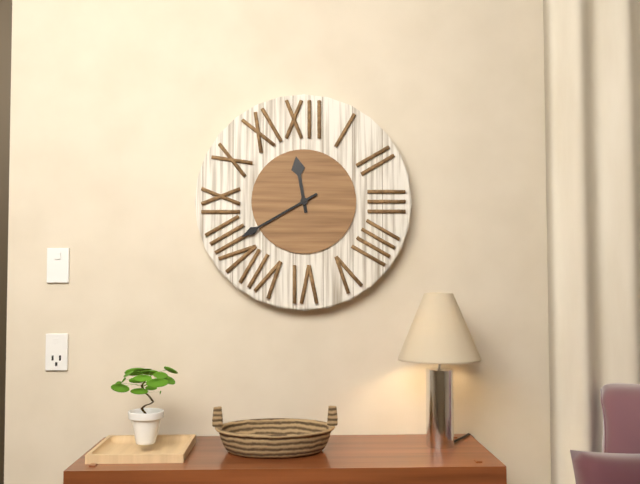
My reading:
11 h 40 min
